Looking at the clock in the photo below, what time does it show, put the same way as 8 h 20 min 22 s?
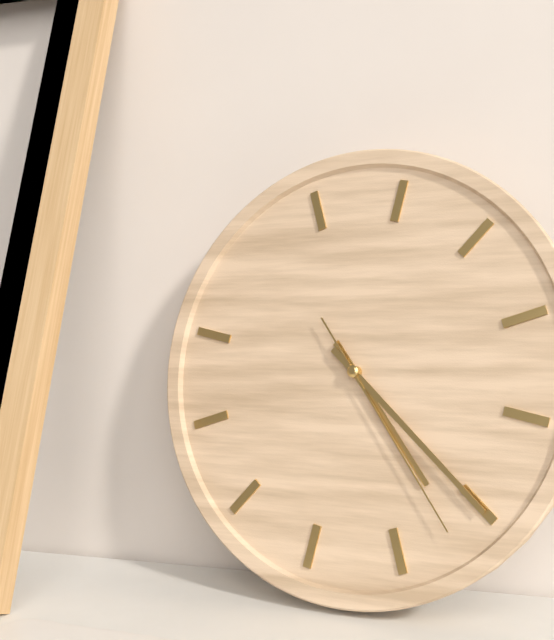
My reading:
4 h 20 min 22 s
